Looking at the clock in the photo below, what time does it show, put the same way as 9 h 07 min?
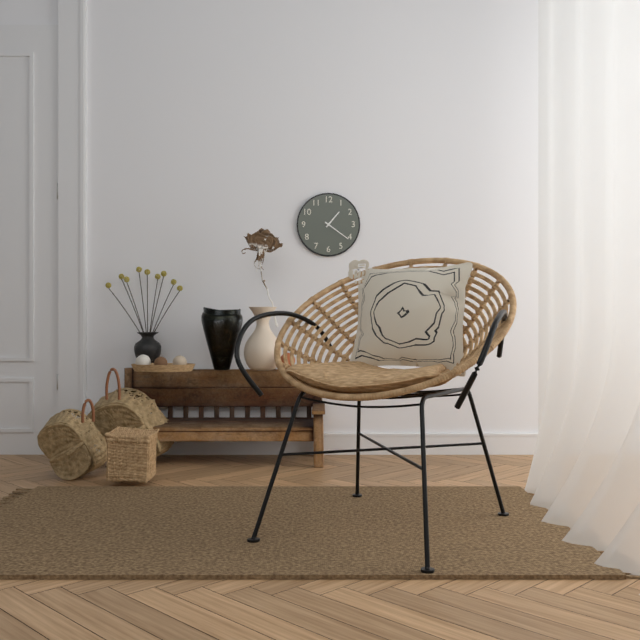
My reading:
1 h 21 min
